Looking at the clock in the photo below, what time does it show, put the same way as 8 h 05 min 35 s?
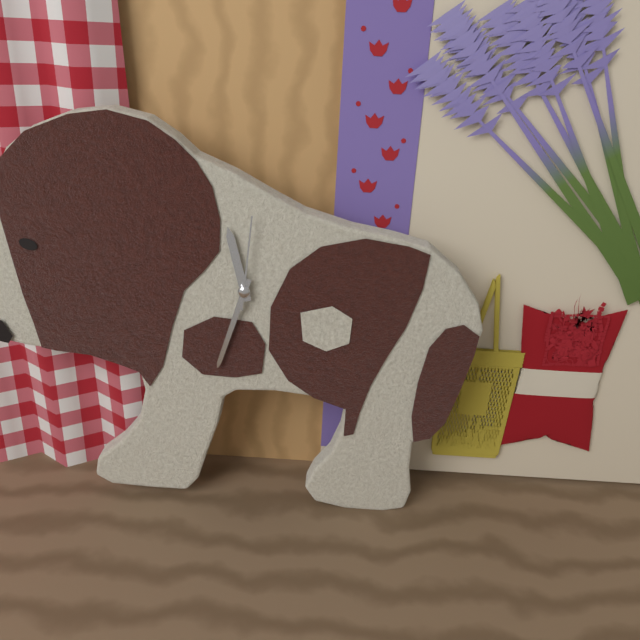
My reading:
11 h 33 min 01 s
